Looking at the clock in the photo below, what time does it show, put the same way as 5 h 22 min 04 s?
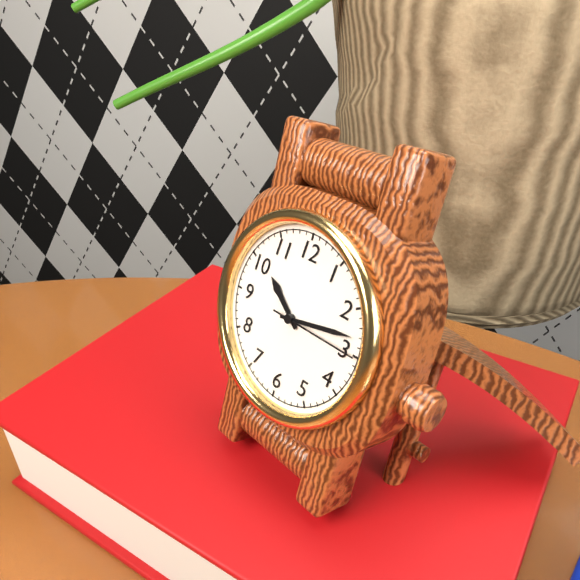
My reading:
10 h 13 min 15 s
